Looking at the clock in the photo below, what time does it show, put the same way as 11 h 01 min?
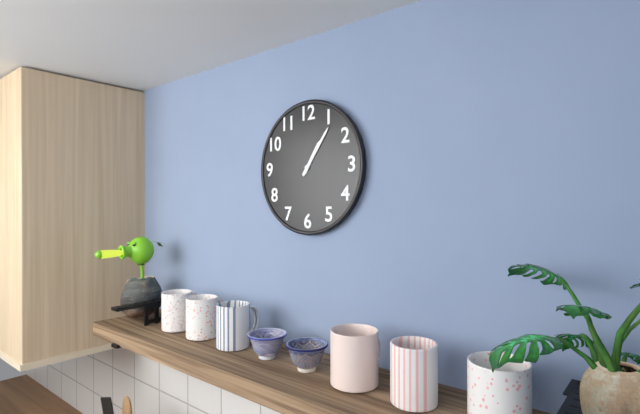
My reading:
1 h 06 min
